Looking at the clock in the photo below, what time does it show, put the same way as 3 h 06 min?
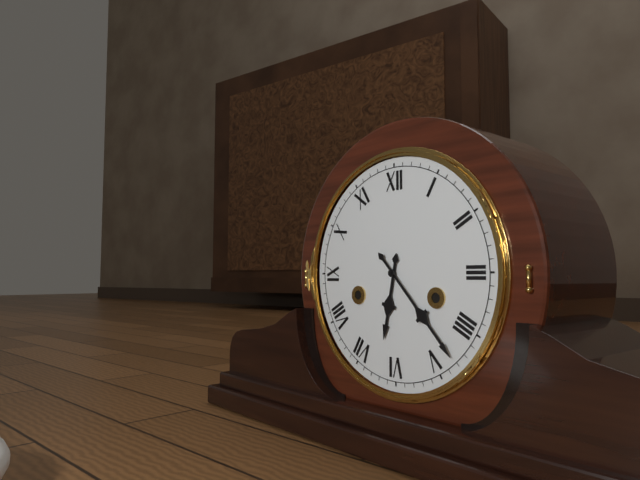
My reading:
6 h 23 min
